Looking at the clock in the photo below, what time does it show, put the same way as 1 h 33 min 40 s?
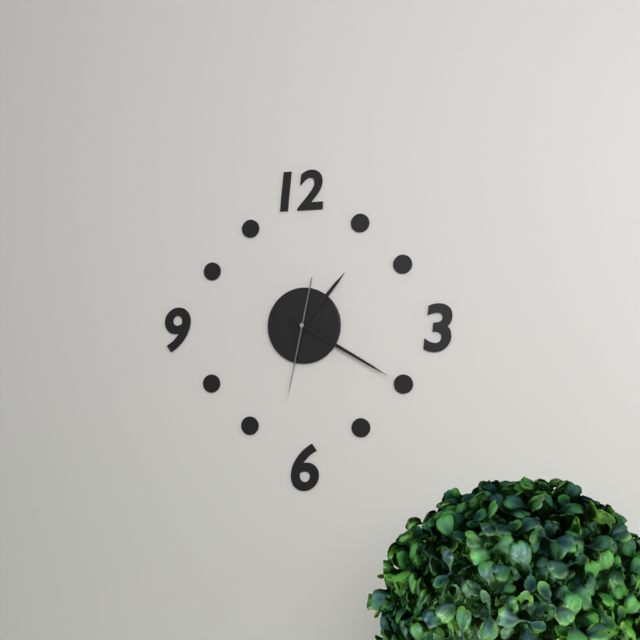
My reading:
1 h 20 min 32 s
